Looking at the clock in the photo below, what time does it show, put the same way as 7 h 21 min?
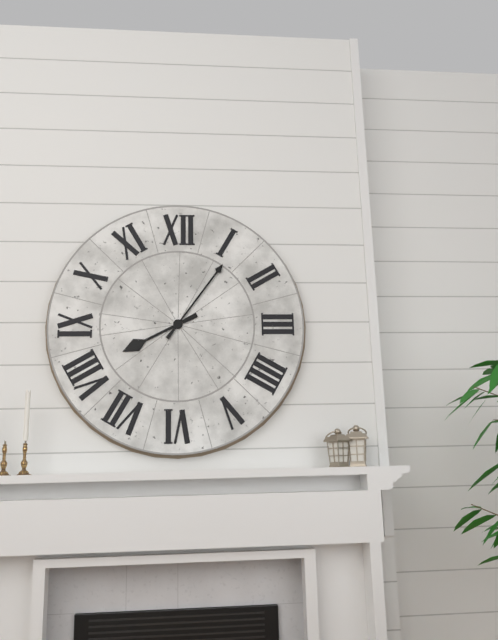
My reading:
8 h 06 min
